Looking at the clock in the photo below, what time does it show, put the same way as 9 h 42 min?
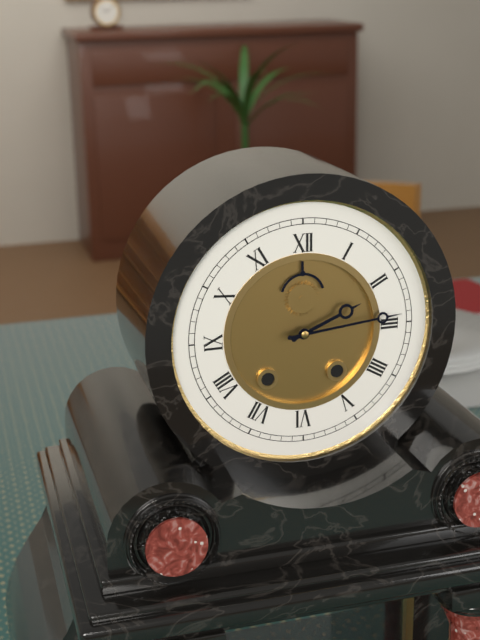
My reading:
2 h 14 min
